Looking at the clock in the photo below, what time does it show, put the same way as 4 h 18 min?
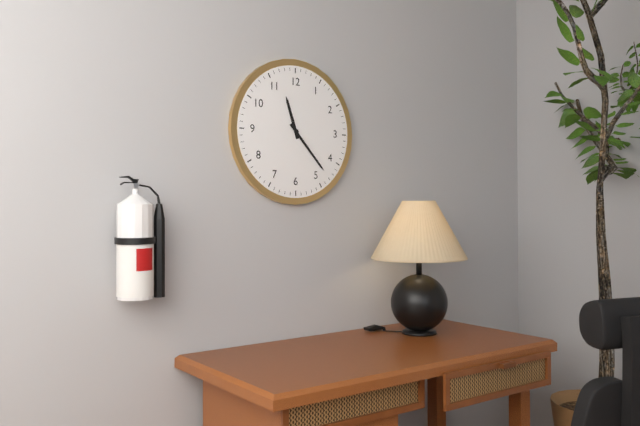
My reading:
11 h 23 min
